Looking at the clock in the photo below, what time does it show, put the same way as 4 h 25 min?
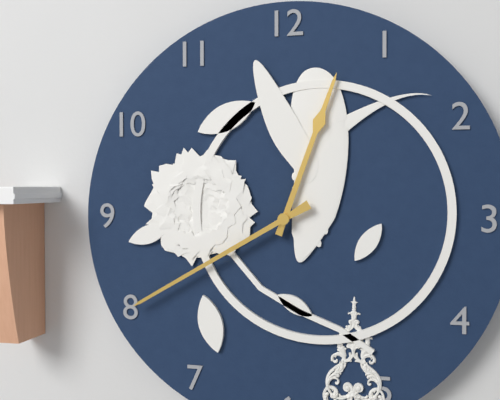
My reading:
12 h 40 min
